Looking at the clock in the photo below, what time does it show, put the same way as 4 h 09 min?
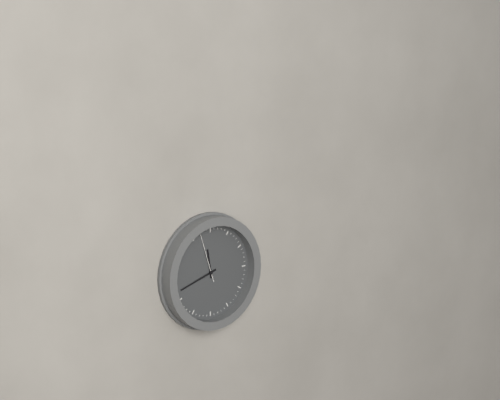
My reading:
11 h 42 min
